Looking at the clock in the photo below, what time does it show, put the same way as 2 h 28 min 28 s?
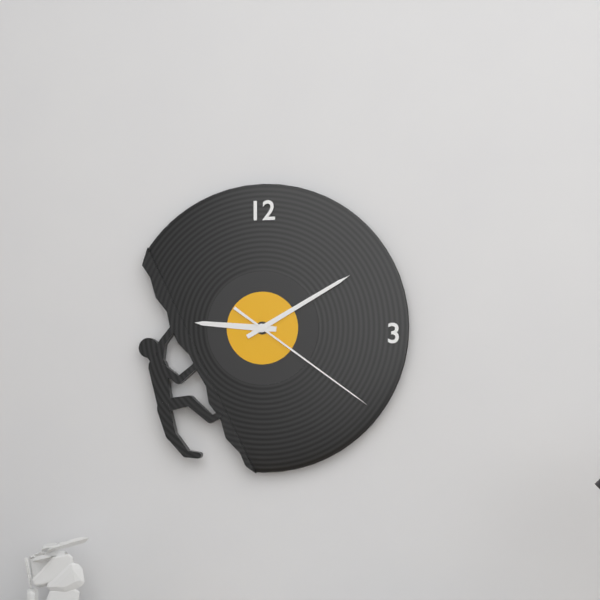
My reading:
9 h 10 min 21 s
